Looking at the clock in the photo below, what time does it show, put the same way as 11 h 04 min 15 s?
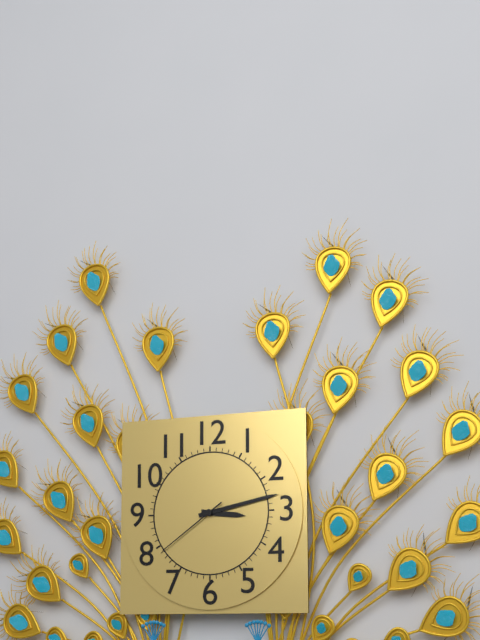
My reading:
3 h 13 min 39 s
